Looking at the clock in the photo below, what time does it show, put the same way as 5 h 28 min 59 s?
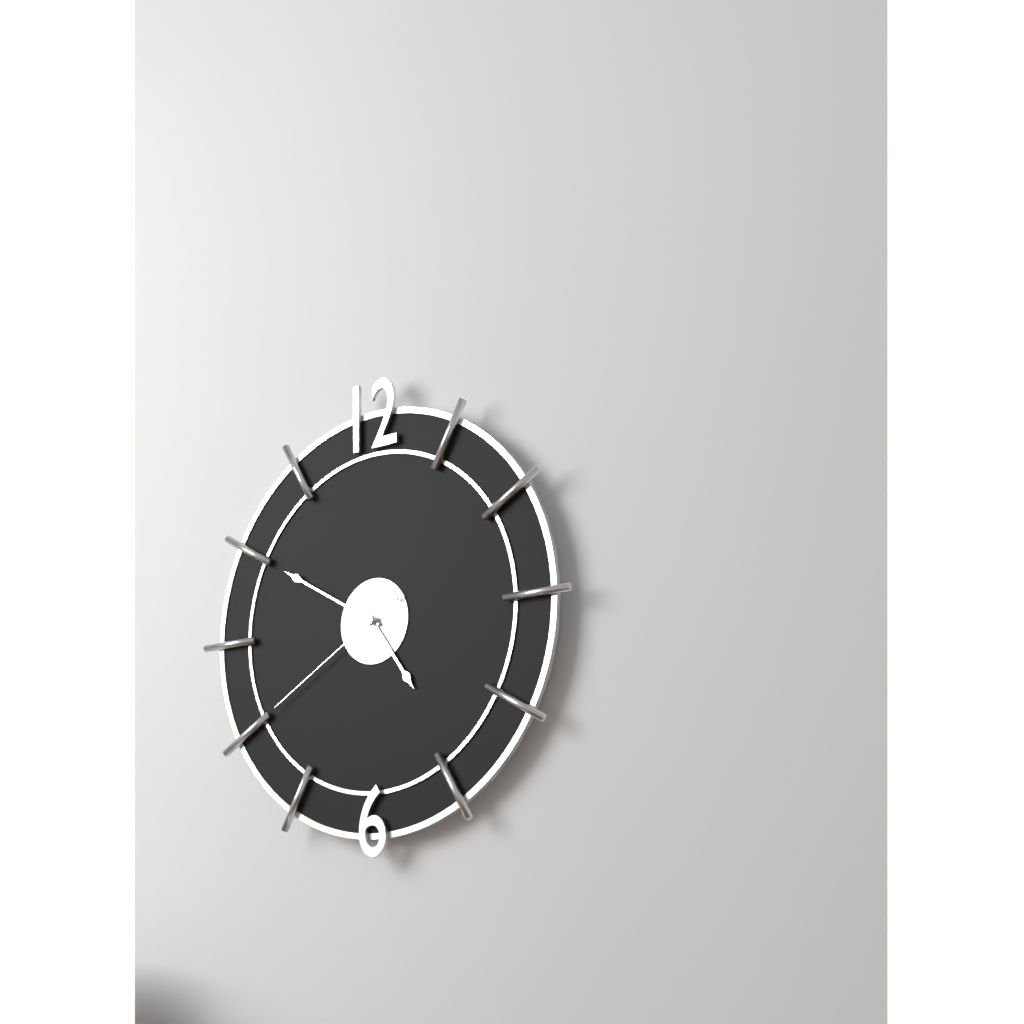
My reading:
4 h 50 min 40 s
